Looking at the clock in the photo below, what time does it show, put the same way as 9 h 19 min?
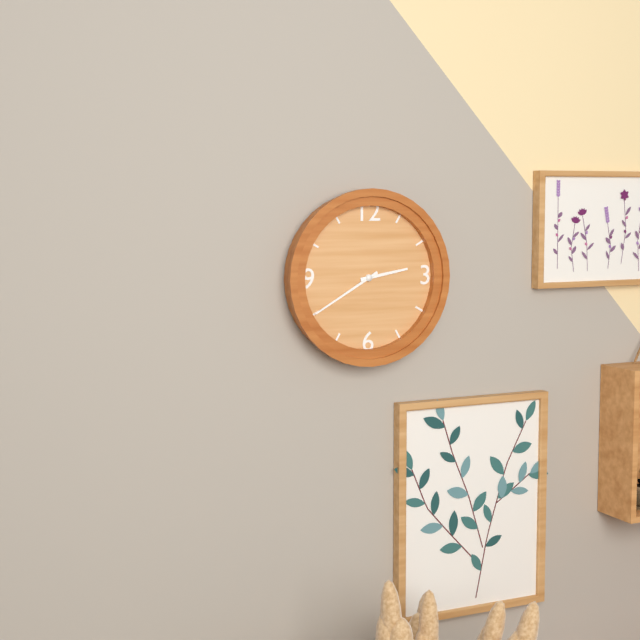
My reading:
2 h 40 min
